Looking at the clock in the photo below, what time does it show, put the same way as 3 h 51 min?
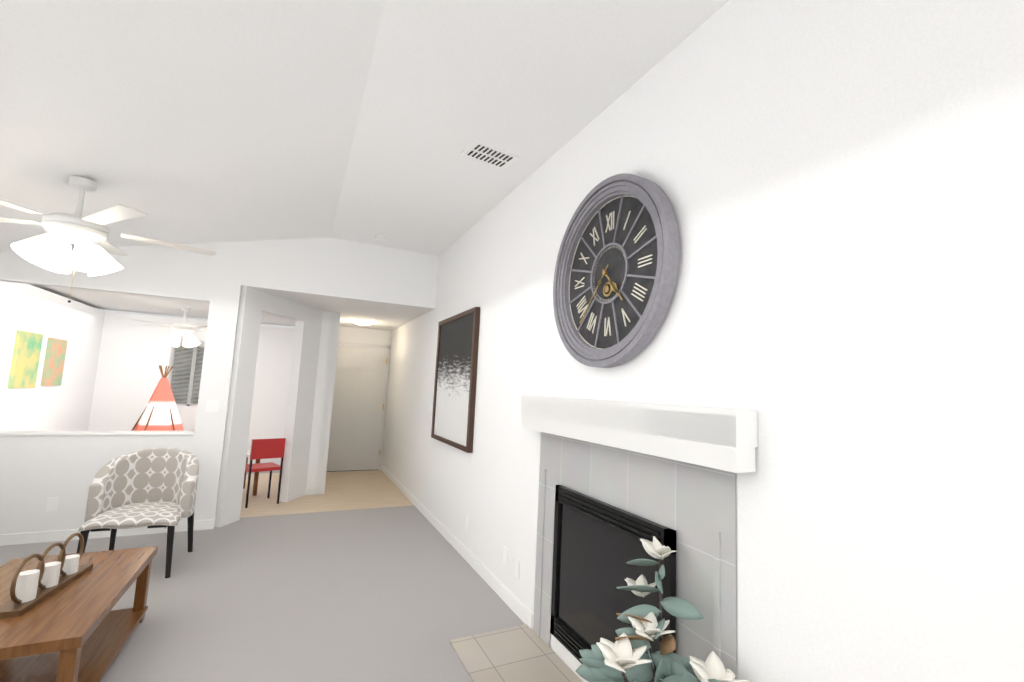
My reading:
4 h 37 min
